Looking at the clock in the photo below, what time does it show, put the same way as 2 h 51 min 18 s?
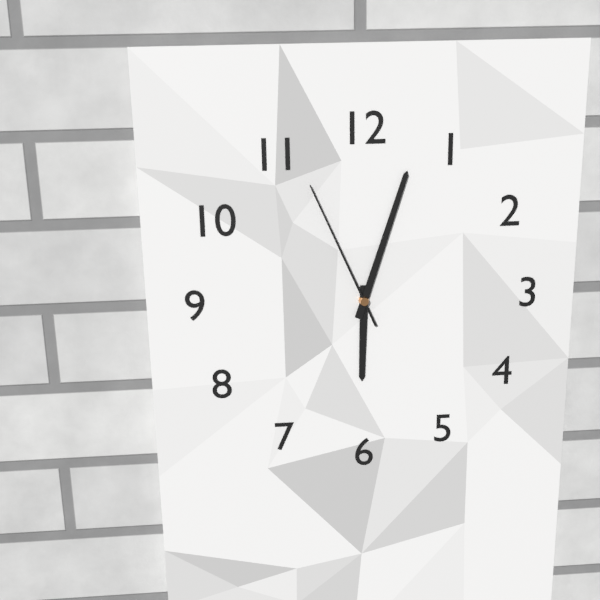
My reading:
6 h 03 min 56 s
